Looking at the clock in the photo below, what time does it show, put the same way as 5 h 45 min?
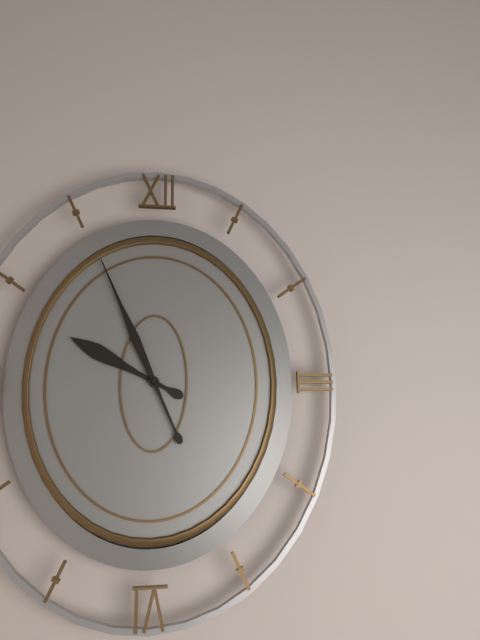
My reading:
9 h 56 min
